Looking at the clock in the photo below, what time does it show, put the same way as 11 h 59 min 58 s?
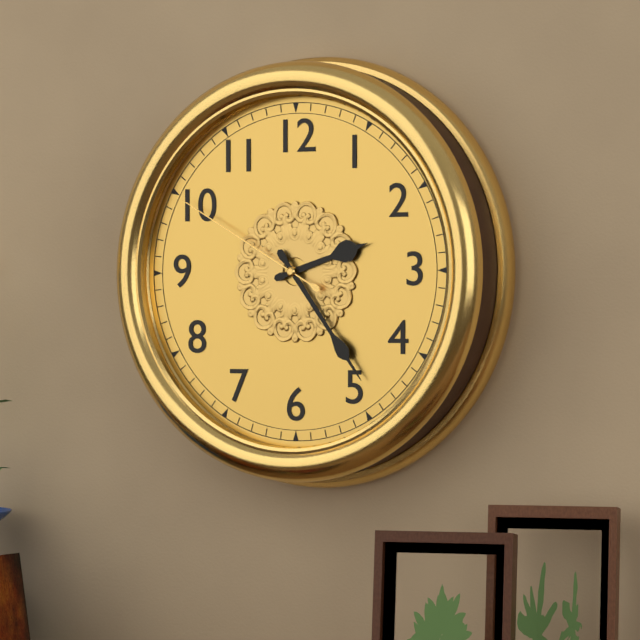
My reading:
2 h 24 min 50 s
